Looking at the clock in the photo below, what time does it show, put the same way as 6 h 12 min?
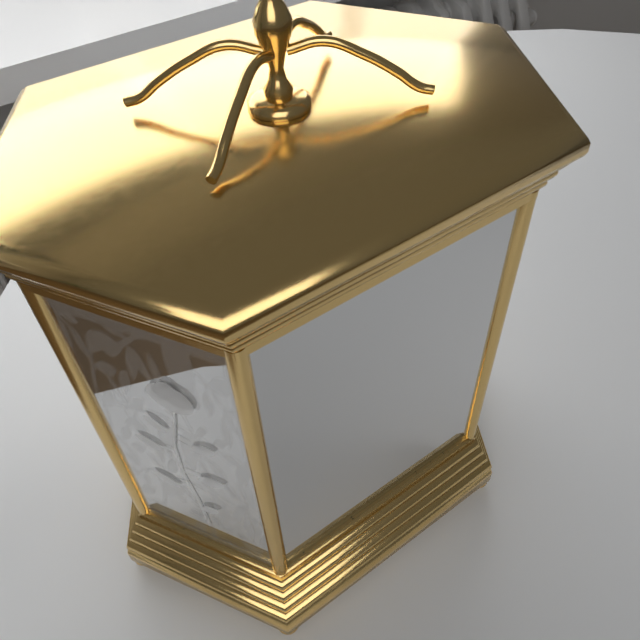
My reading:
8 h 18 min
